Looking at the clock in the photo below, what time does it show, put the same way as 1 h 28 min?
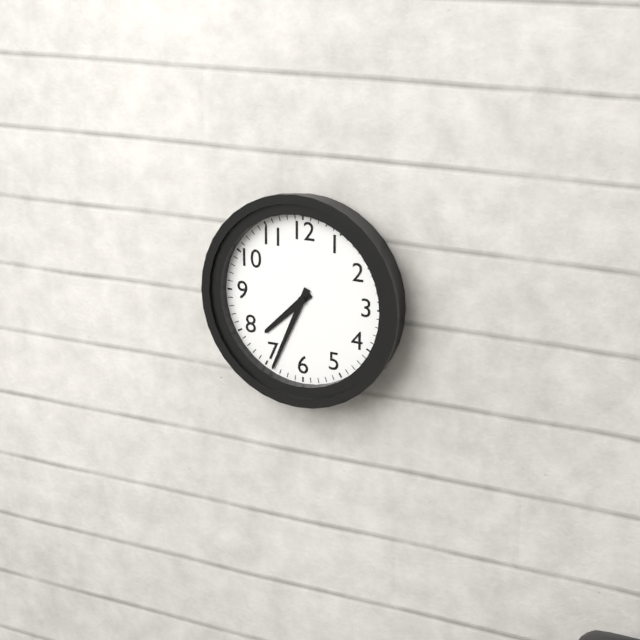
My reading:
7 h 34 min
